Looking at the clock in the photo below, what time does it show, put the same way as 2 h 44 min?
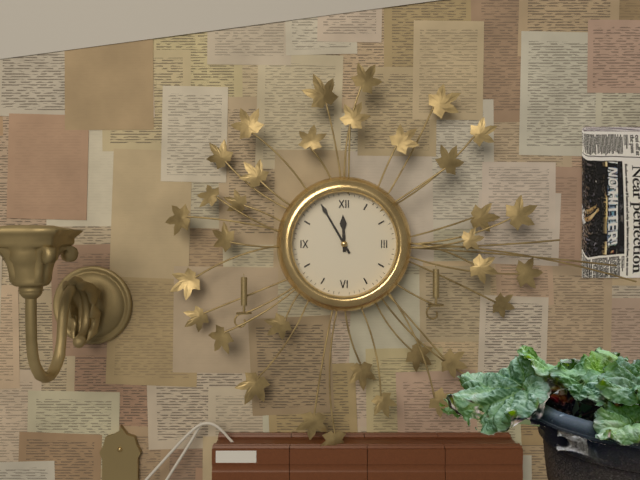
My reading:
11 h 55 min
